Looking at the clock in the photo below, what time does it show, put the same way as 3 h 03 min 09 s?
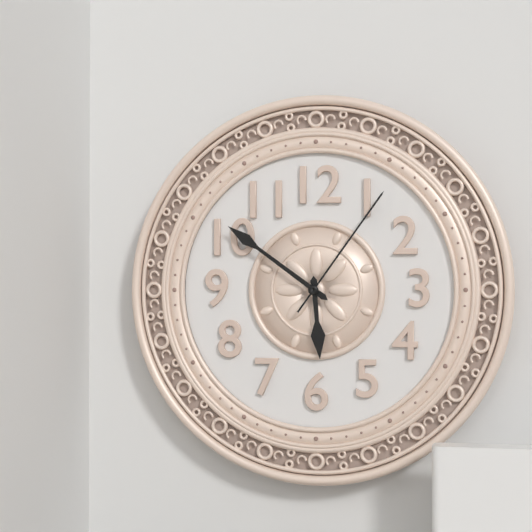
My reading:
5 h 51 min 06 s
